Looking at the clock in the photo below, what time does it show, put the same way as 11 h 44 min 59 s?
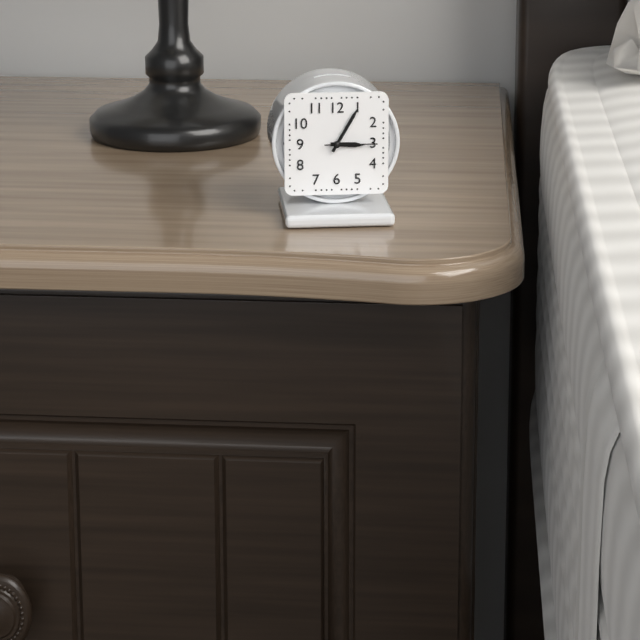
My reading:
3 h 05 min 15 s
